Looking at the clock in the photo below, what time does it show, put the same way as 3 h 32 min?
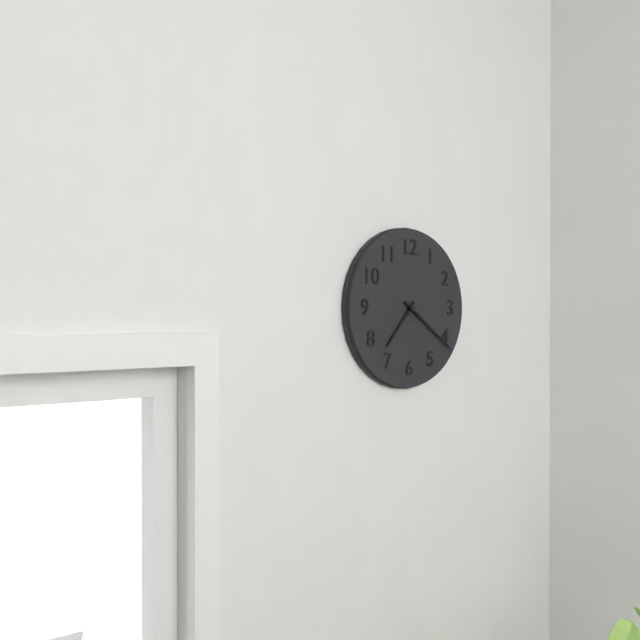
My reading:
7 h 21 min
